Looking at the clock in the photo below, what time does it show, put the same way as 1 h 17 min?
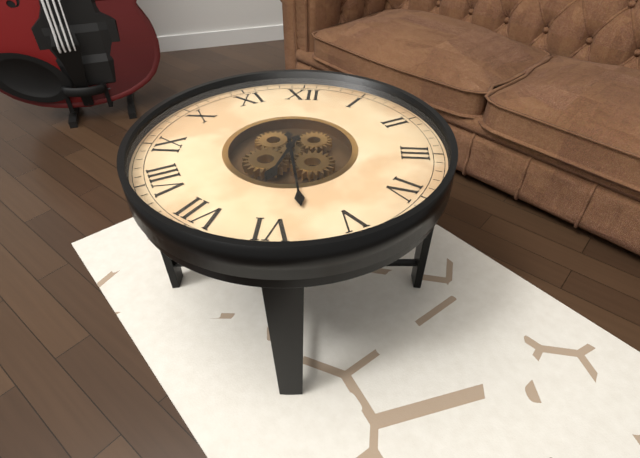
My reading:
6 h 28 min
